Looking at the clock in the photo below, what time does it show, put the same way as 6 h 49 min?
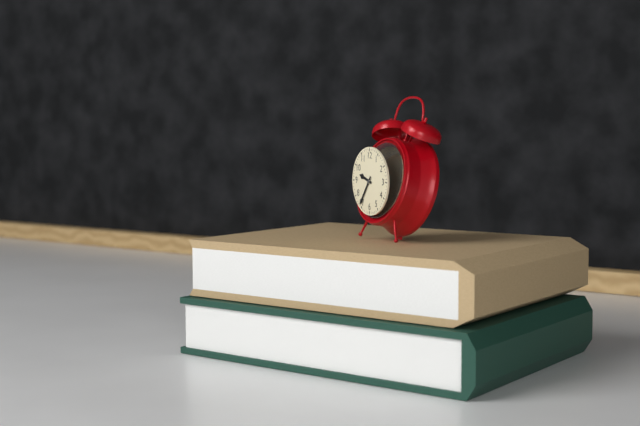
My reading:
9 h 36 min
